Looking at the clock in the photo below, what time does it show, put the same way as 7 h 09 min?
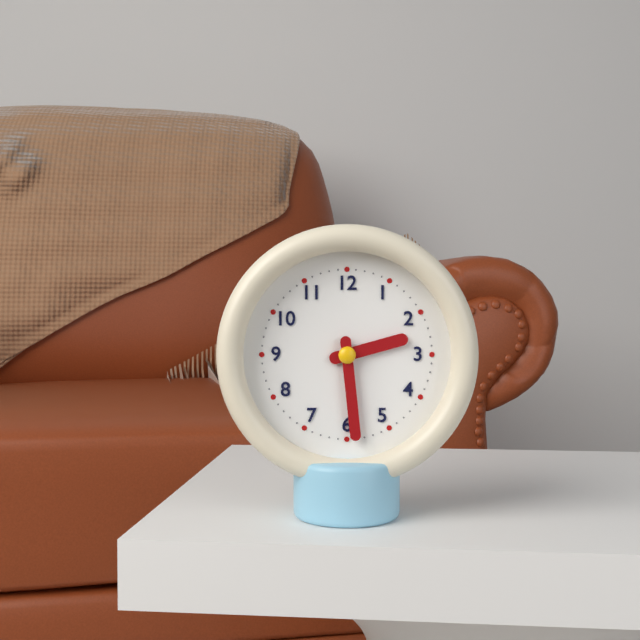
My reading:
2 h 29 min
